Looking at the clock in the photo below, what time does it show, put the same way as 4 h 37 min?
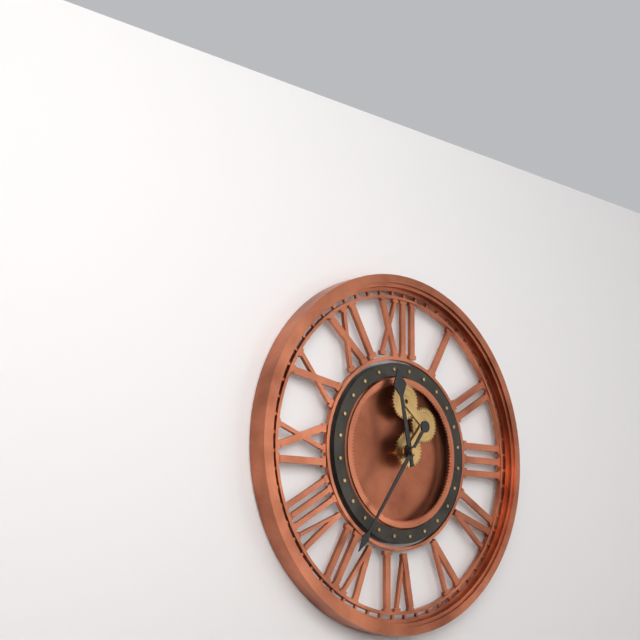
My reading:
11 h 36 min
